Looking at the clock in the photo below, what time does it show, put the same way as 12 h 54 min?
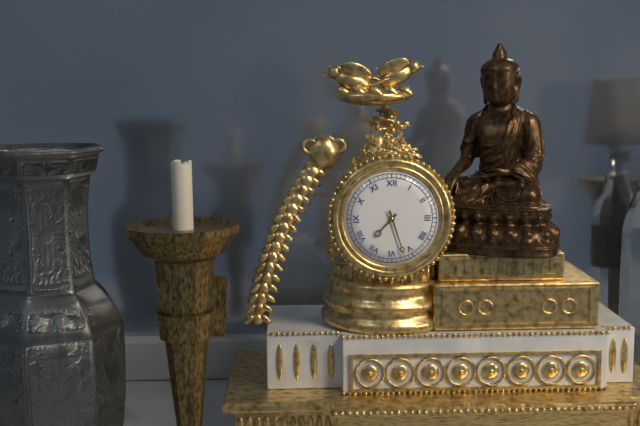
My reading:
7 h 27 min
